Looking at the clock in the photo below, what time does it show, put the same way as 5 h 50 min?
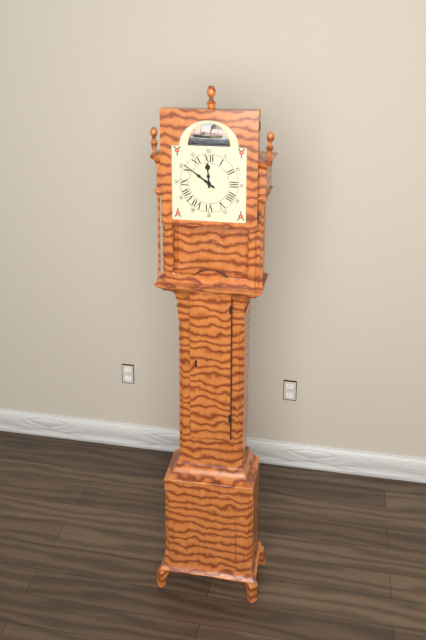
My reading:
11 h 51 min
